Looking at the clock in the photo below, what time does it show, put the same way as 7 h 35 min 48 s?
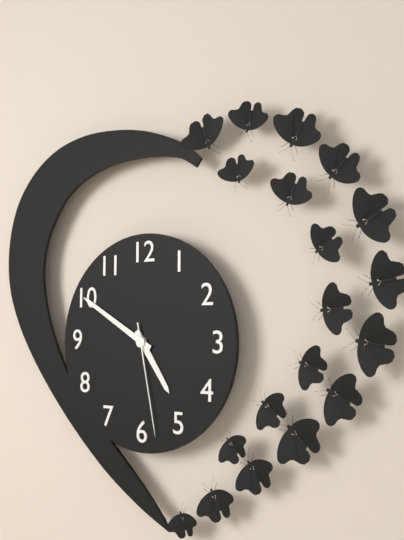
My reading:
4 h 50 min 28 s
